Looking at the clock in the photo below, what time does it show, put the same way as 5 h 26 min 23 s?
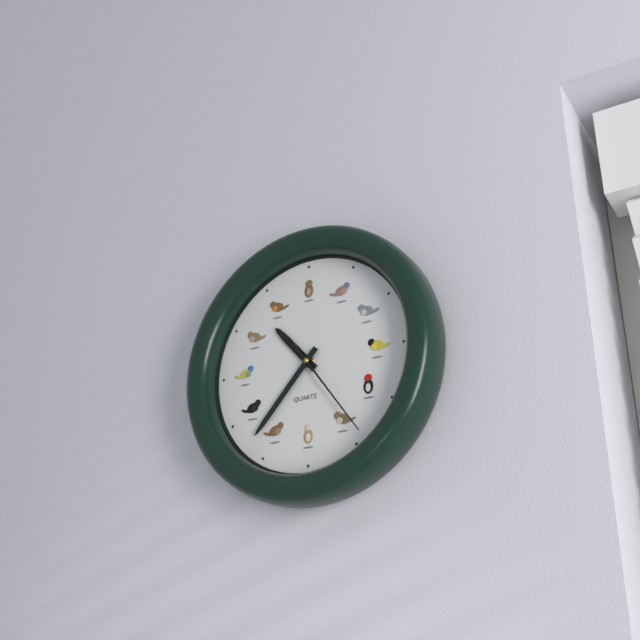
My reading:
10 h 37 min 24 s
